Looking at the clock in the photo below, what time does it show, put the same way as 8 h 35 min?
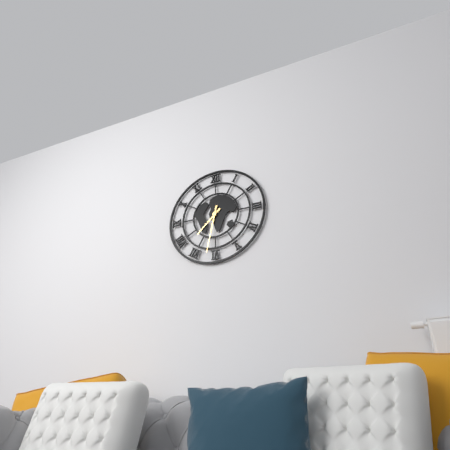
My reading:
7 h 32 min
